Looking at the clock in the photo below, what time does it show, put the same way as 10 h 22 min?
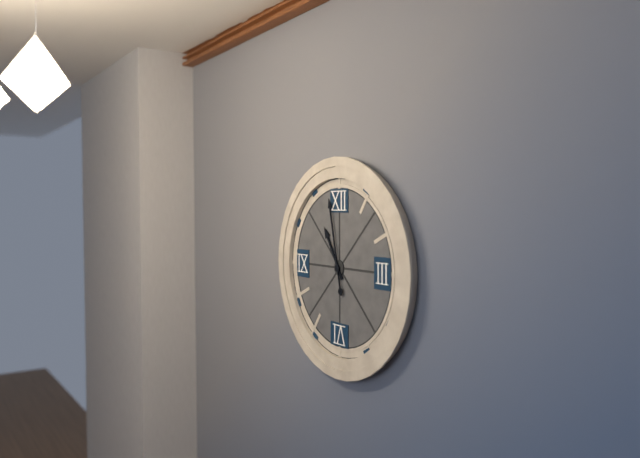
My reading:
10 h 58 min
